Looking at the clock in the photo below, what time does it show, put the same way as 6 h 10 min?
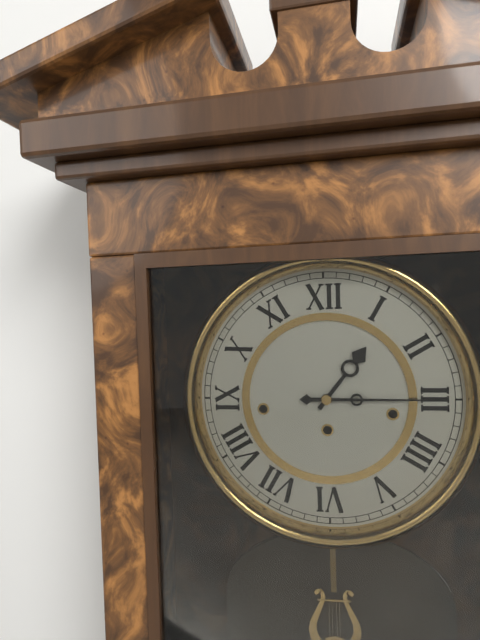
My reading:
1 h 15 min
